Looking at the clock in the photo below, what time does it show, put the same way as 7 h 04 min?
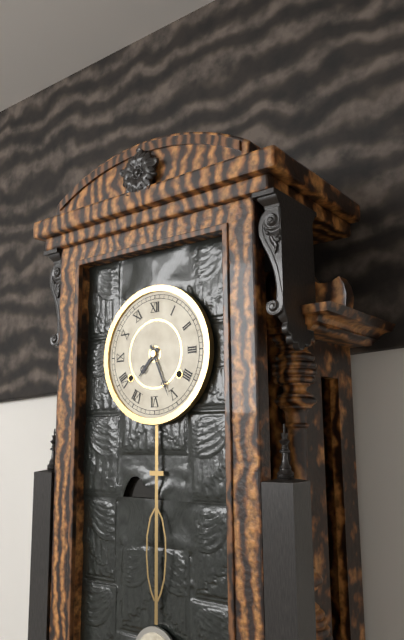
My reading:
7 h 26 min
